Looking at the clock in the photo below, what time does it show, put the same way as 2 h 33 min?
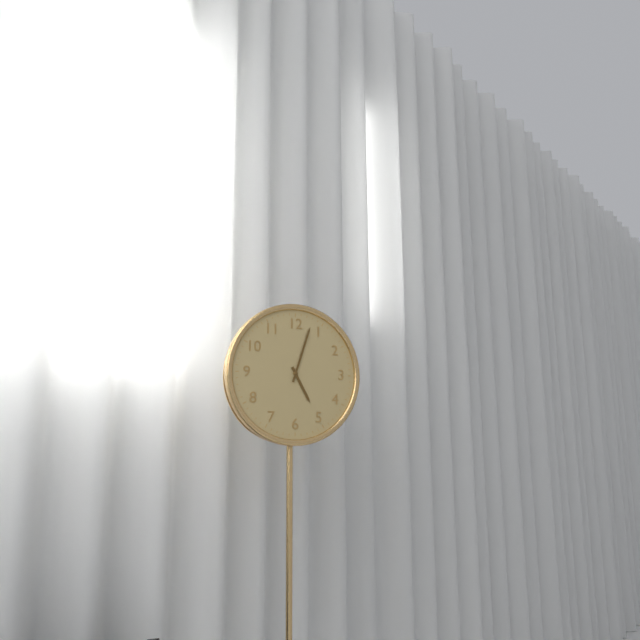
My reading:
5 h 03 min
